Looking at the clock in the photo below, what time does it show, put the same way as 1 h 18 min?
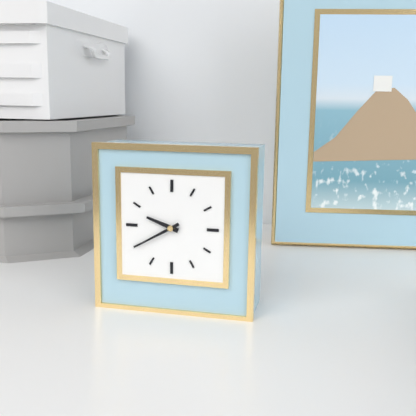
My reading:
9 h 40 min
